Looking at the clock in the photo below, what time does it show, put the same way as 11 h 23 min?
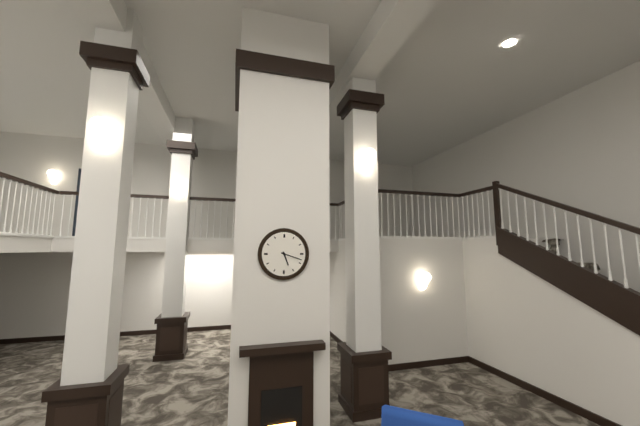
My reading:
5 h 18 min
